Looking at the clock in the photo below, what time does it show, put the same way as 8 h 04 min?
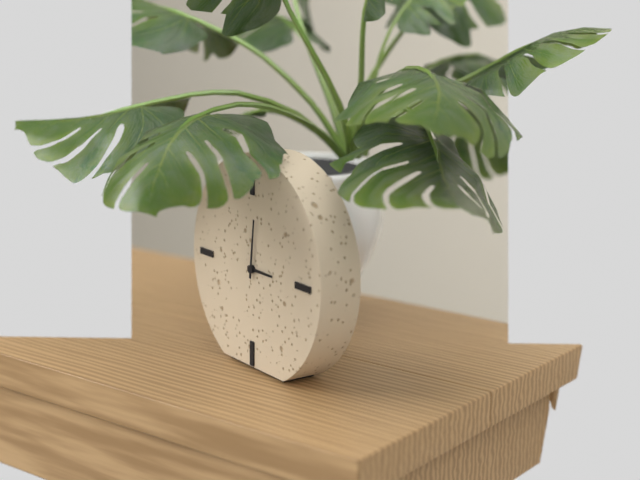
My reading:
3 h 01 min
